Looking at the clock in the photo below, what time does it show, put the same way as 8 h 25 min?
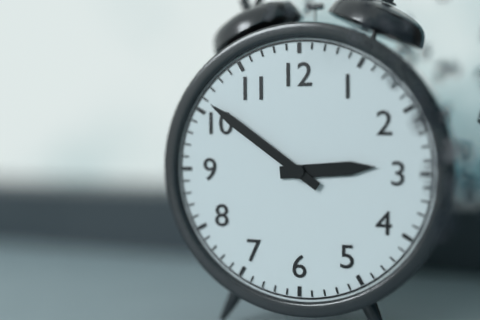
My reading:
2 h 51 min
